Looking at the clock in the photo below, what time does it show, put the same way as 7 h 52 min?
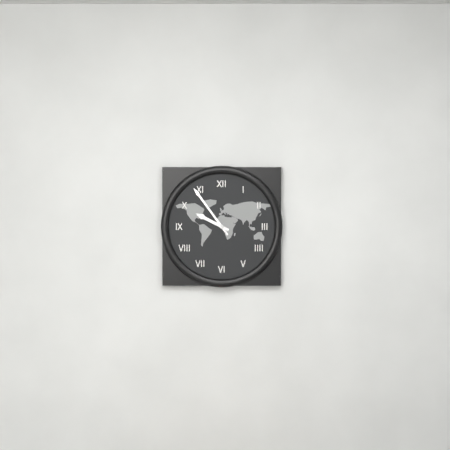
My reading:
9 h 54 min
